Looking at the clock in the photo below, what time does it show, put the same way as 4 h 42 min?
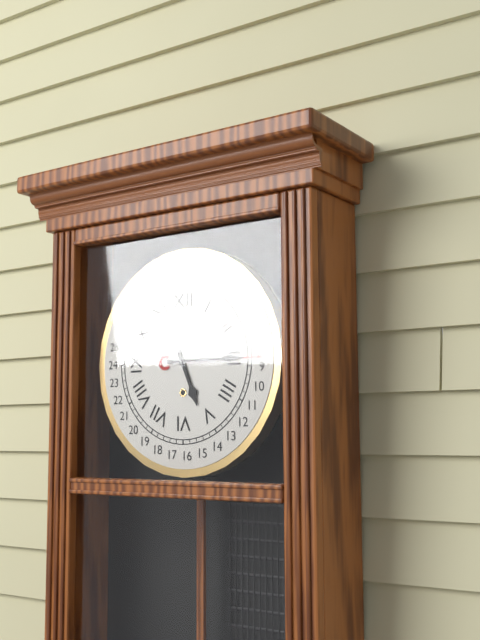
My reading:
5 h 15 min
